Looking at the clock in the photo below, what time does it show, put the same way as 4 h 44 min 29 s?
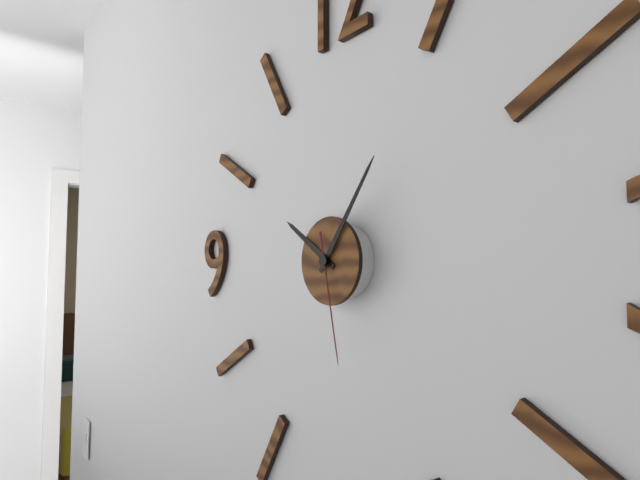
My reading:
10 h 06 min 28 s
